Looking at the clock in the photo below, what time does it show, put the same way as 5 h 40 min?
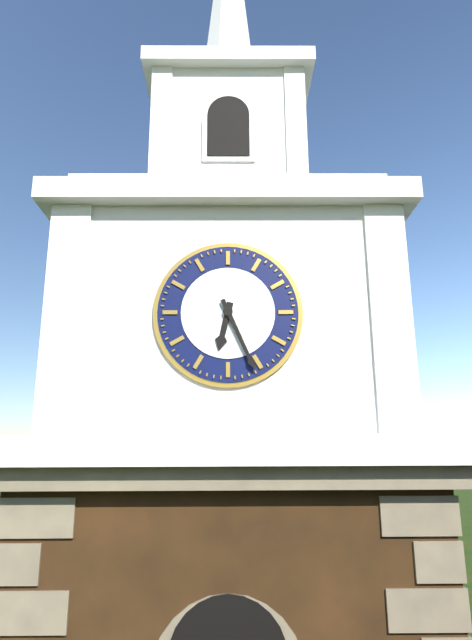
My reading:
6 h 26 min
